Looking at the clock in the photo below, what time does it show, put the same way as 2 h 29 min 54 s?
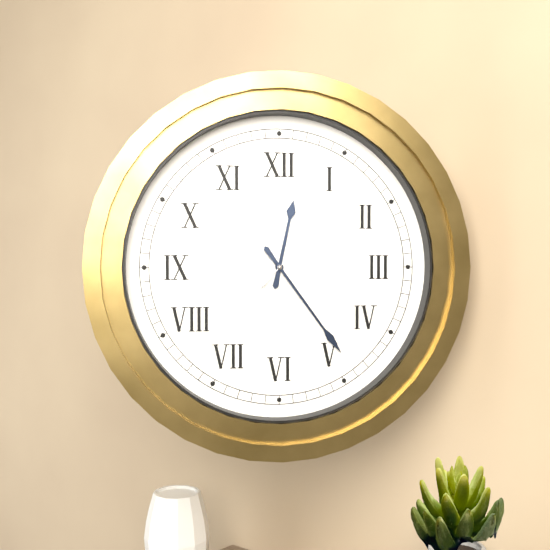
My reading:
12 h 24 min 07 s
